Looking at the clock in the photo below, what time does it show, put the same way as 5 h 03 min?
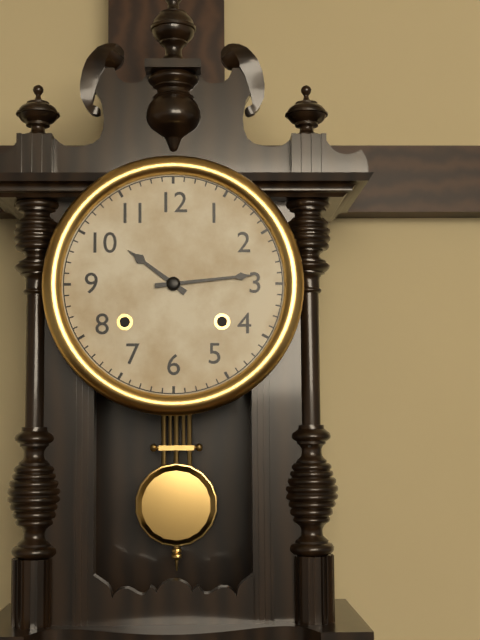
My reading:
10 h 14 min
